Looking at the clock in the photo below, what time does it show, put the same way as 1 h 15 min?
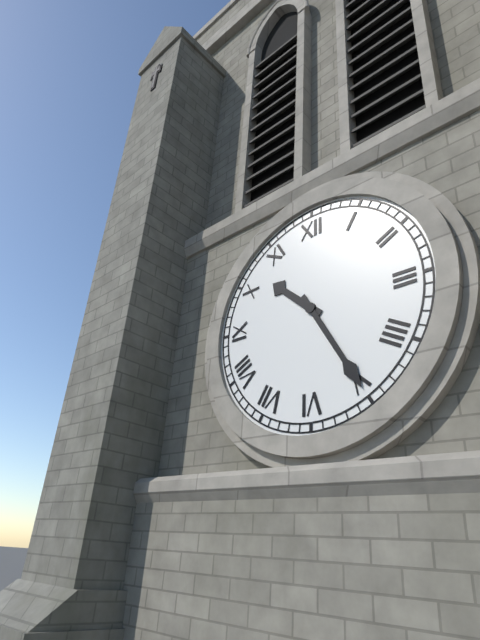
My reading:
10 h 25 min
